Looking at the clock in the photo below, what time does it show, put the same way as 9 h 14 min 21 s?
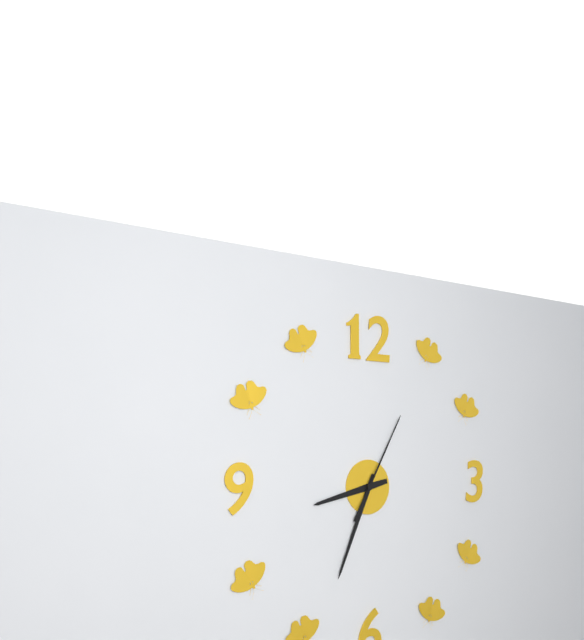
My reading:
8 h 34 min 05 s
